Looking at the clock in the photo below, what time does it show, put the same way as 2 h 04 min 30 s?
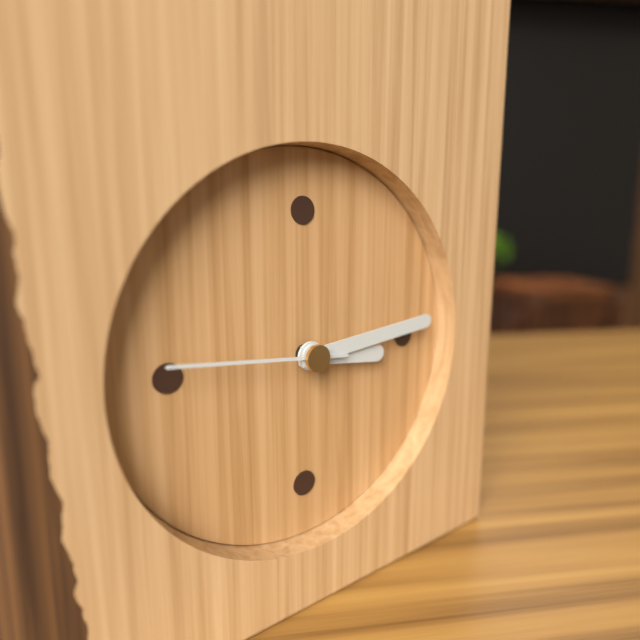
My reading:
3 h 14 min 46 s
